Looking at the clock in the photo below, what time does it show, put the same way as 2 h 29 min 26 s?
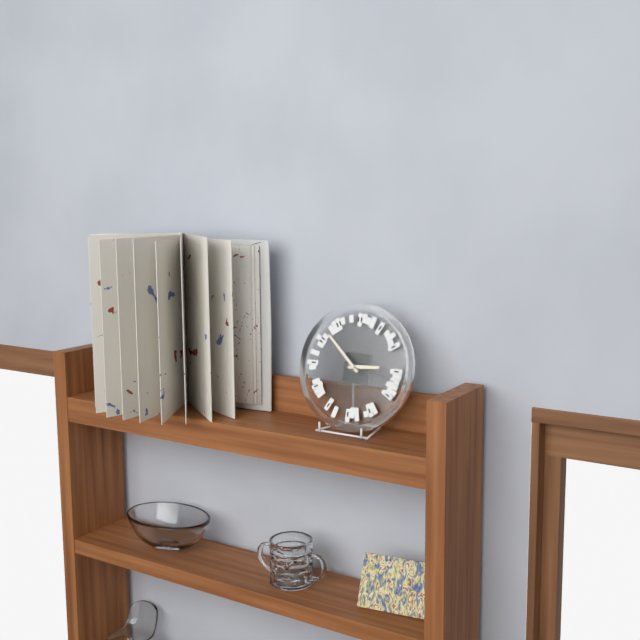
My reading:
2 h 52 min 17 s
